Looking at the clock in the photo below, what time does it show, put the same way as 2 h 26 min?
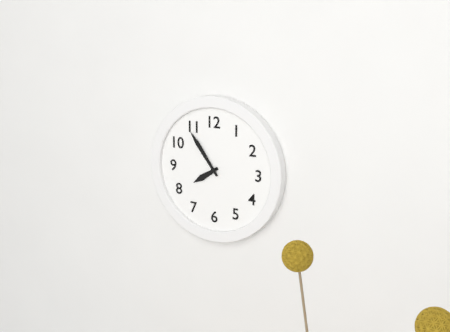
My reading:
7 h 54 min
